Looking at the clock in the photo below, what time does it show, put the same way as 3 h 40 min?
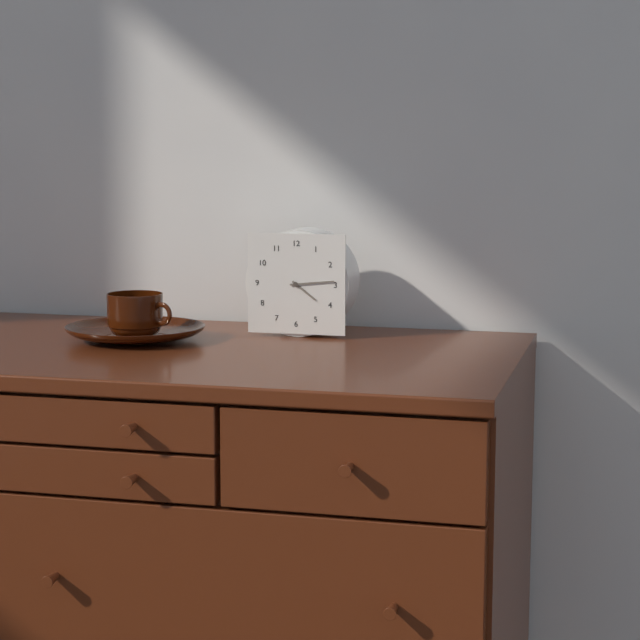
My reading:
4 h 14 min
